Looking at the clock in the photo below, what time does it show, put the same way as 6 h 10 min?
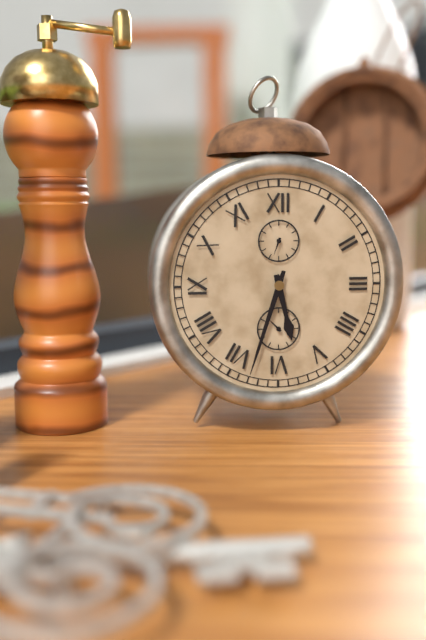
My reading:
5 h 33 min
